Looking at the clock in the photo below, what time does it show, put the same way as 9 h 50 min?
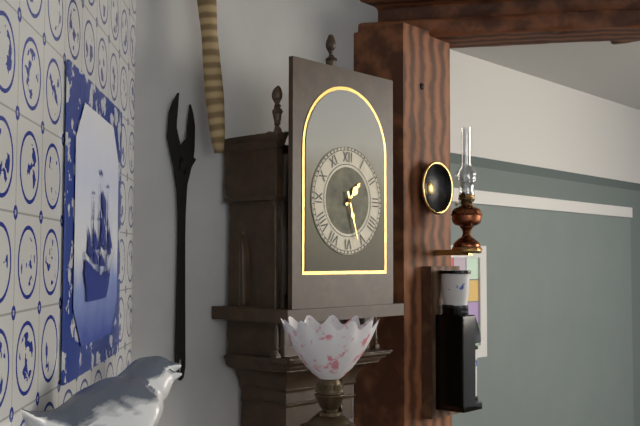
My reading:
1 h 27 min
